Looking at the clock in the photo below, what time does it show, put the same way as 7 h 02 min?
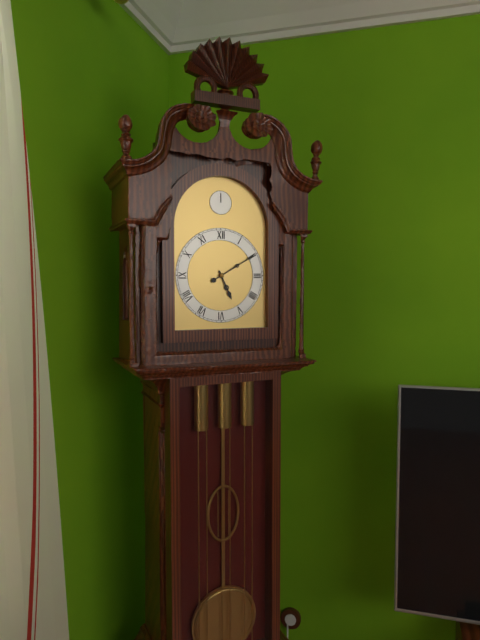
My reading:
5 h 10 min
